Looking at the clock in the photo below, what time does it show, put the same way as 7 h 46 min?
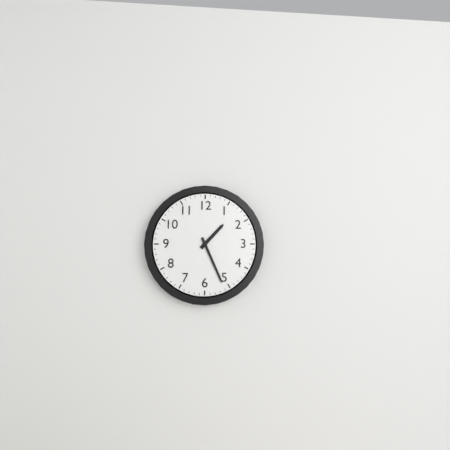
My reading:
1 h 26 min
